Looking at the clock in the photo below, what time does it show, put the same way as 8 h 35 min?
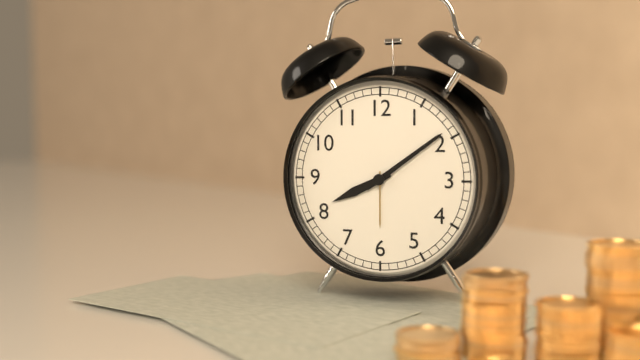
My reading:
8 h 09 min
